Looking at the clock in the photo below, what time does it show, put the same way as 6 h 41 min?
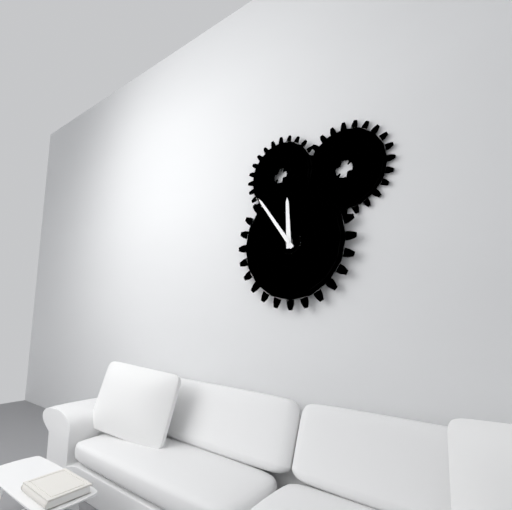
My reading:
11 h 54 min
